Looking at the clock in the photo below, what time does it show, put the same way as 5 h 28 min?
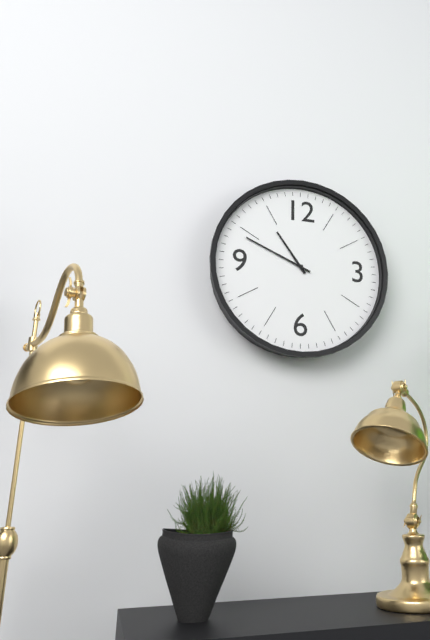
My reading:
10 h 49 min
